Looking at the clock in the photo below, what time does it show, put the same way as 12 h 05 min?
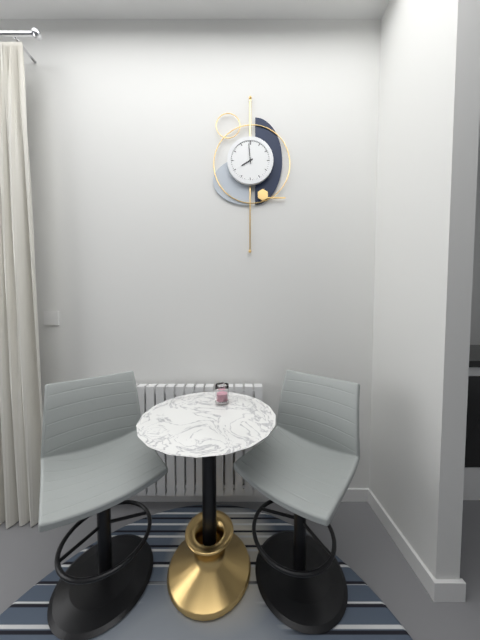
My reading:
7 h 59 min
